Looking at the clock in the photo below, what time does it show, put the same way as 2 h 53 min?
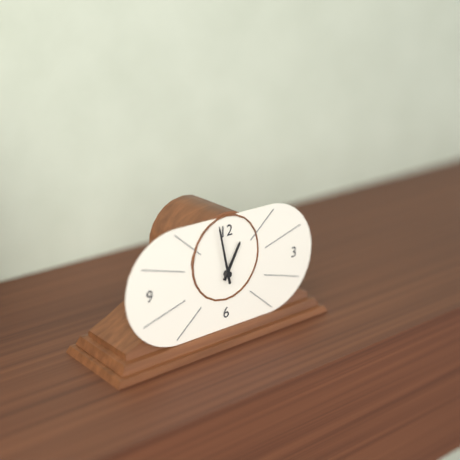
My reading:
12 h 58 min
